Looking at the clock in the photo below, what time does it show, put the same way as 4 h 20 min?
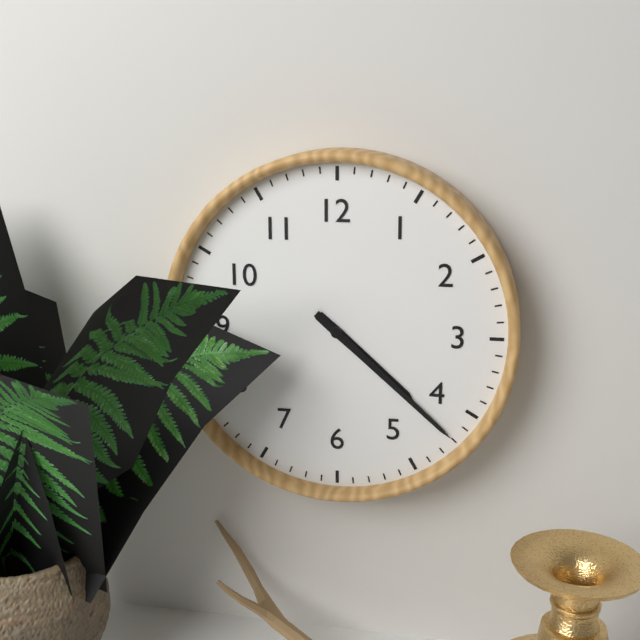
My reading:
4 h 22 min
